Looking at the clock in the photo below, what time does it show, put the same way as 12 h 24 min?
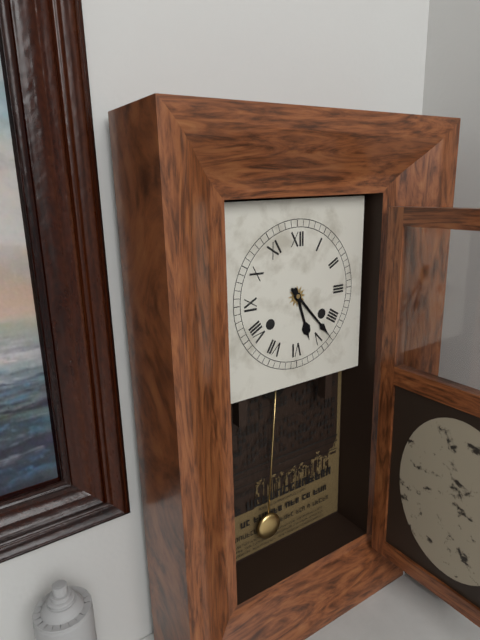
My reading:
5 h 23 min
